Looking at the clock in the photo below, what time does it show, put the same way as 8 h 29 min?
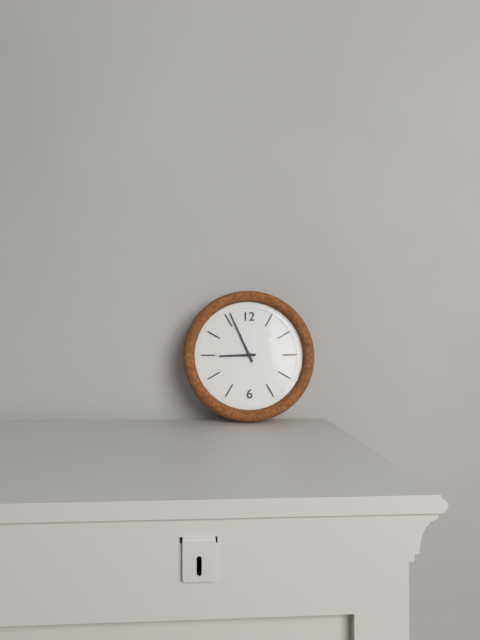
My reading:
8 h 56 min
